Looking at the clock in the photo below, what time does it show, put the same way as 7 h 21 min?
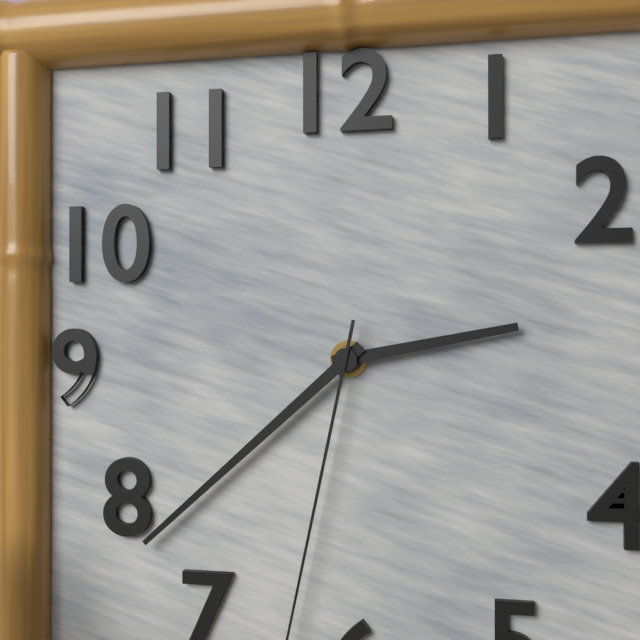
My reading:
2 h 38 min
